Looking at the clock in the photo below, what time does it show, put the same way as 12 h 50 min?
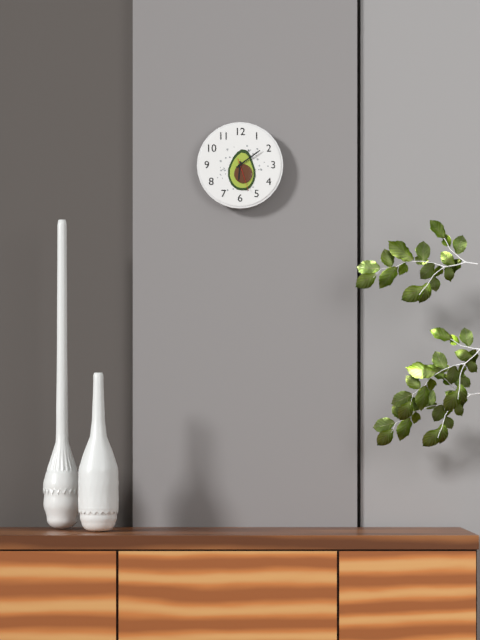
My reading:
6 h 09 min
